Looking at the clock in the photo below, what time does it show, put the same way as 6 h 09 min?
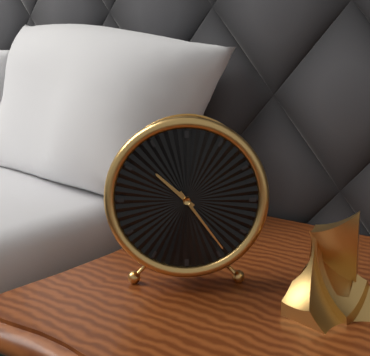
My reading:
10 h 24 min
